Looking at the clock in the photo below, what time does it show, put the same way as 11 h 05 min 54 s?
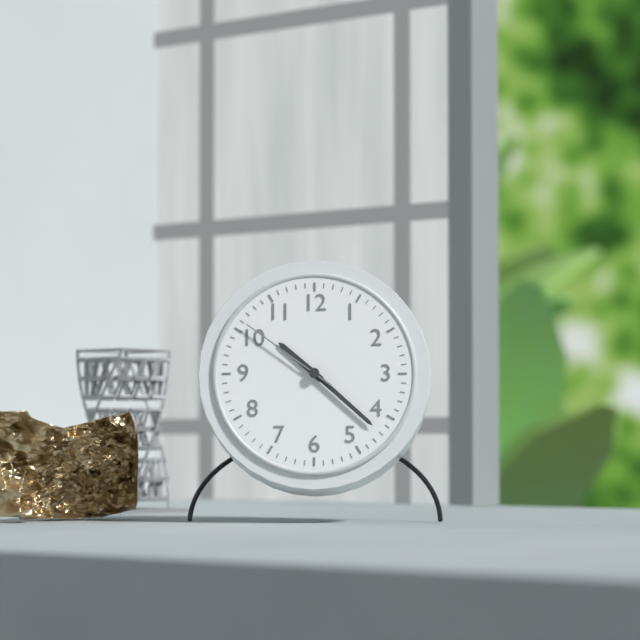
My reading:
10 h 22 min 51 s
